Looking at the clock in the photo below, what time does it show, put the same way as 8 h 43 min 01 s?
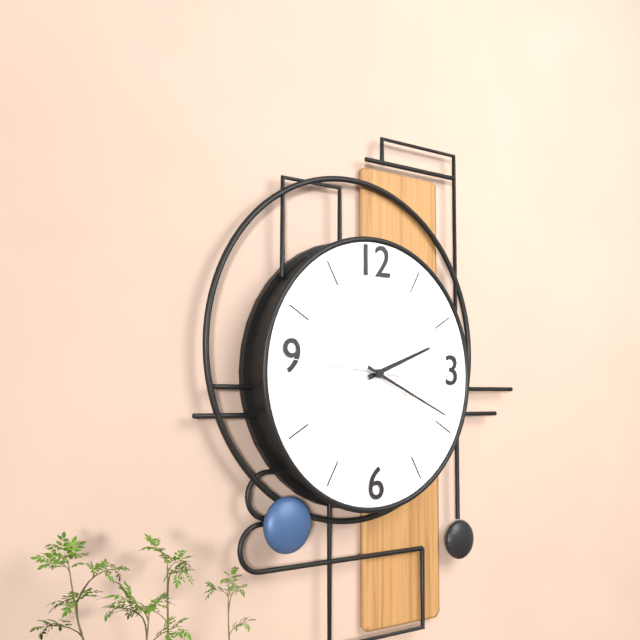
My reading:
2 h 19 min 46 s
